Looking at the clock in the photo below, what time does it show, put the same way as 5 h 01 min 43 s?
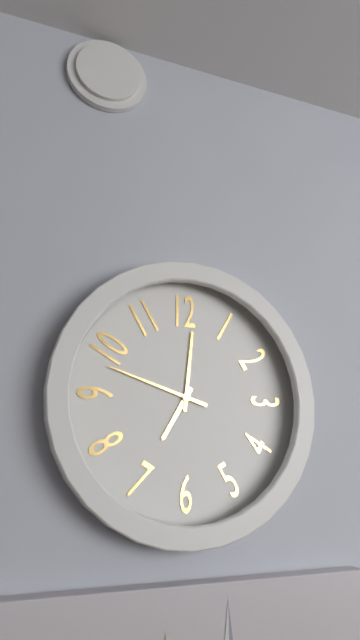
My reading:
7 h 01 min 48 s
